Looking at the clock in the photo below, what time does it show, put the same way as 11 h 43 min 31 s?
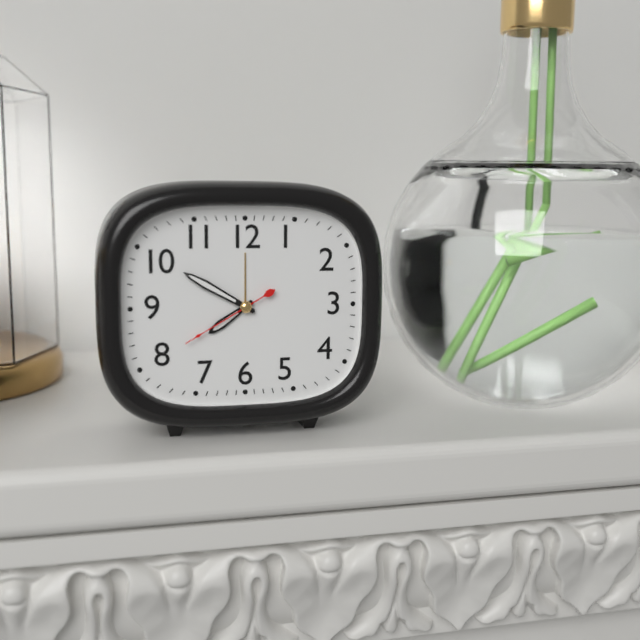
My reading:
7 h 50 min 40 s
